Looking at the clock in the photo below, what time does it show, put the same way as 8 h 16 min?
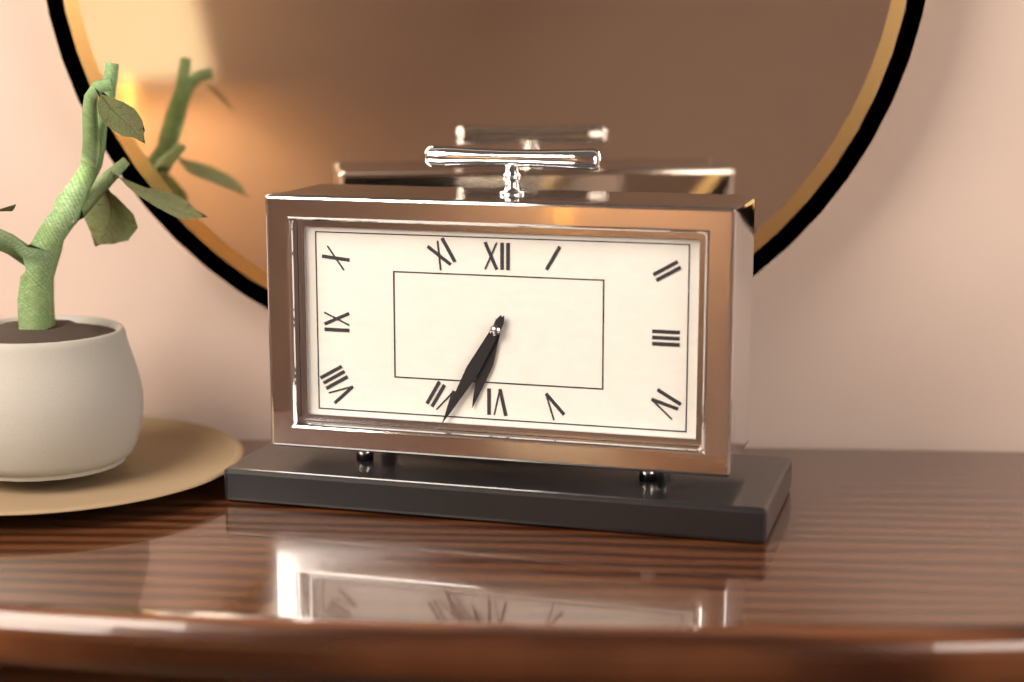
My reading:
6 h 35 min
